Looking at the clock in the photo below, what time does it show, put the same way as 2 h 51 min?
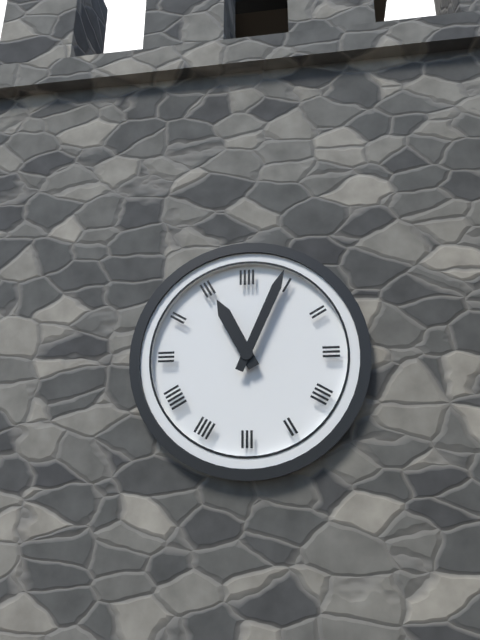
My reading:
11 h 04 min
